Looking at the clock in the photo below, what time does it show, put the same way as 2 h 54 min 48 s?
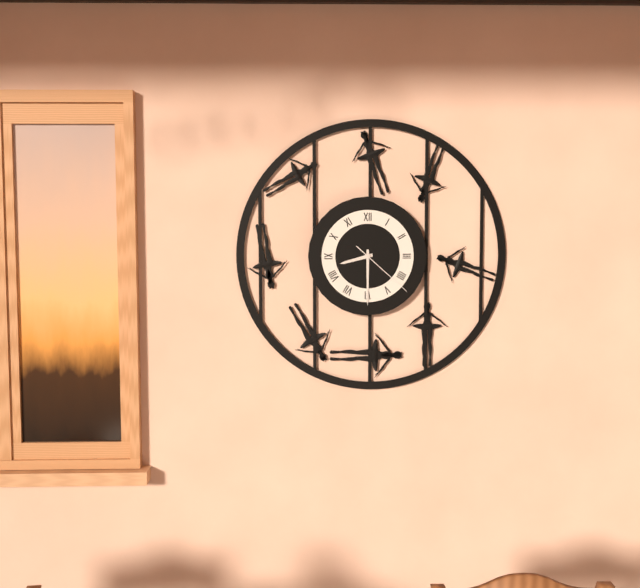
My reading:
8 h 30 min 22 s
